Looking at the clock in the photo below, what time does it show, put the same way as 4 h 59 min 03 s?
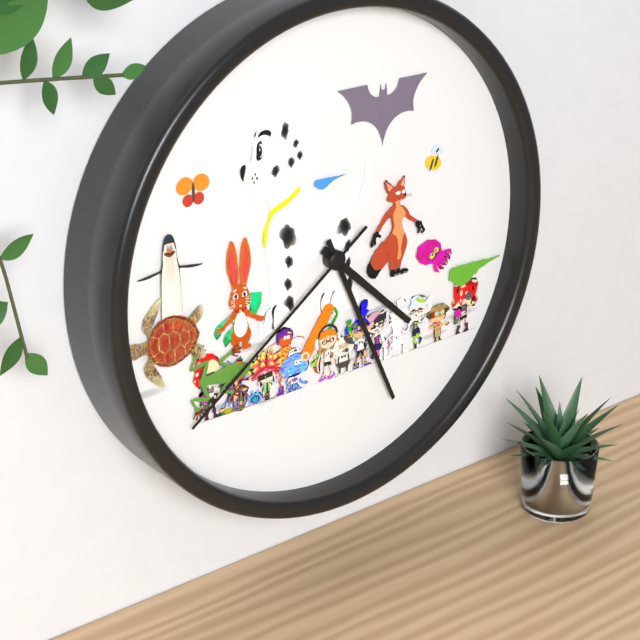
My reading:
4 h 26 min 39 s
